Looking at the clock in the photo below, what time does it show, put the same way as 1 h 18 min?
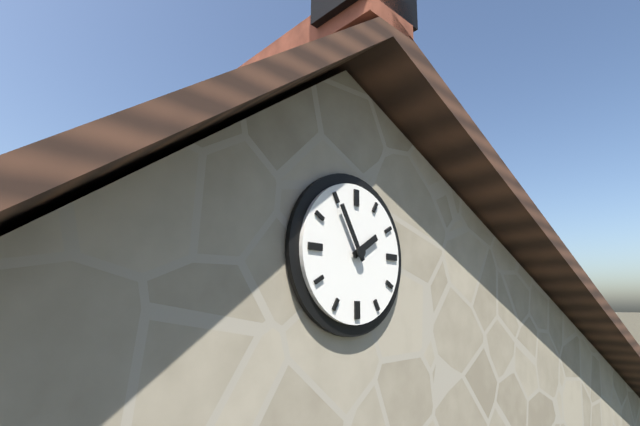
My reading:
1 h 55 min
